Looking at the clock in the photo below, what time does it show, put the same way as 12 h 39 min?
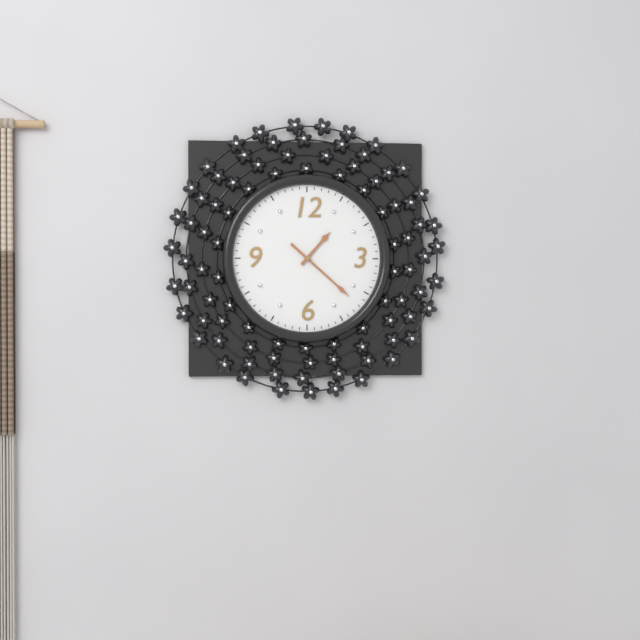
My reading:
1 h 22 min
